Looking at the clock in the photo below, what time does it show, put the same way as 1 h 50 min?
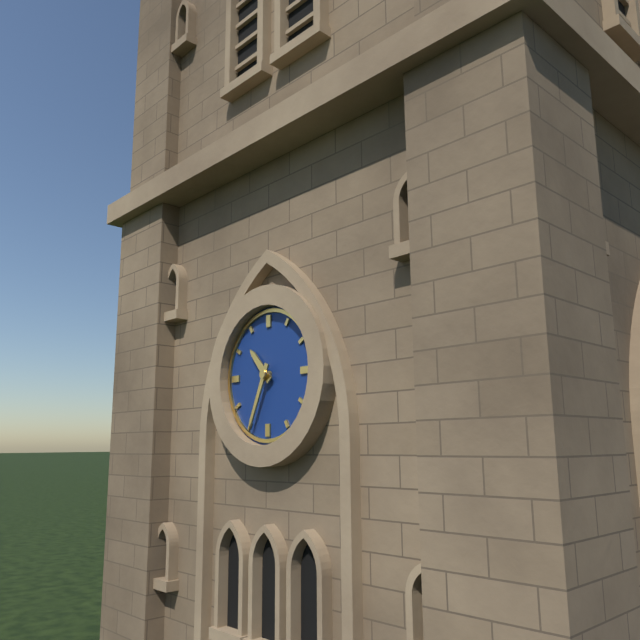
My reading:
10 h 34 min
